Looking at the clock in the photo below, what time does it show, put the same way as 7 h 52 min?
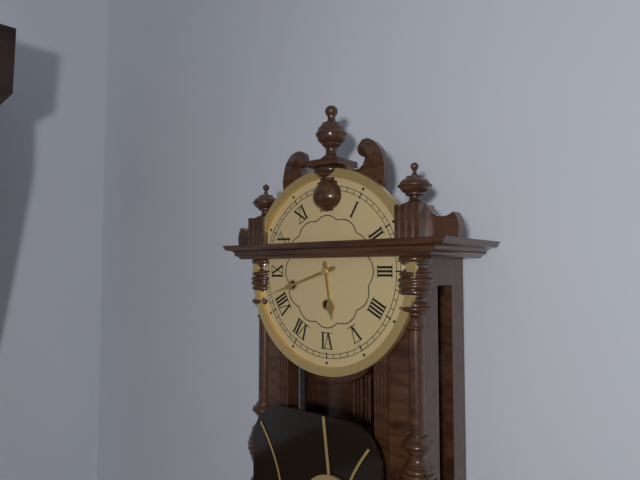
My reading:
5 h 42 min
